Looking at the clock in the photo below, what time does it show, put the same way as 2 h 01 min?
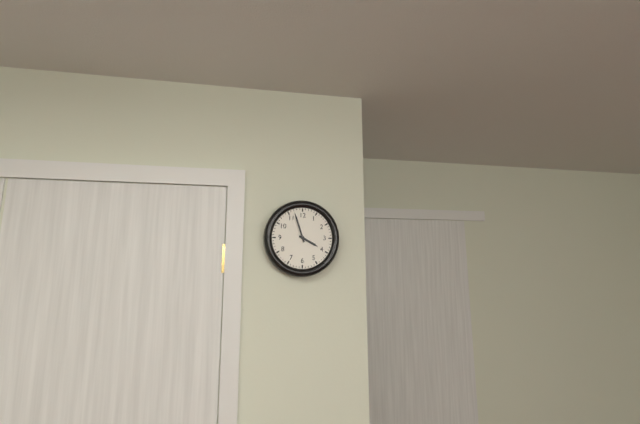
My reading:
3 h 57 min
